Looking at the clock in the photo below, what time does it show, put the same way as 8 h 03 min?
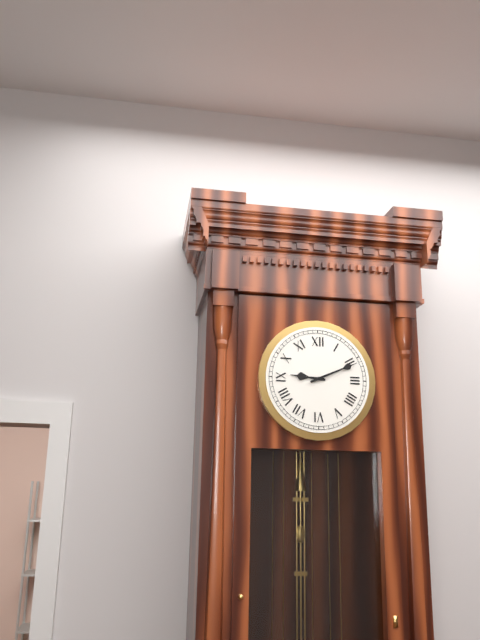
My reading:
9 h 11 min
